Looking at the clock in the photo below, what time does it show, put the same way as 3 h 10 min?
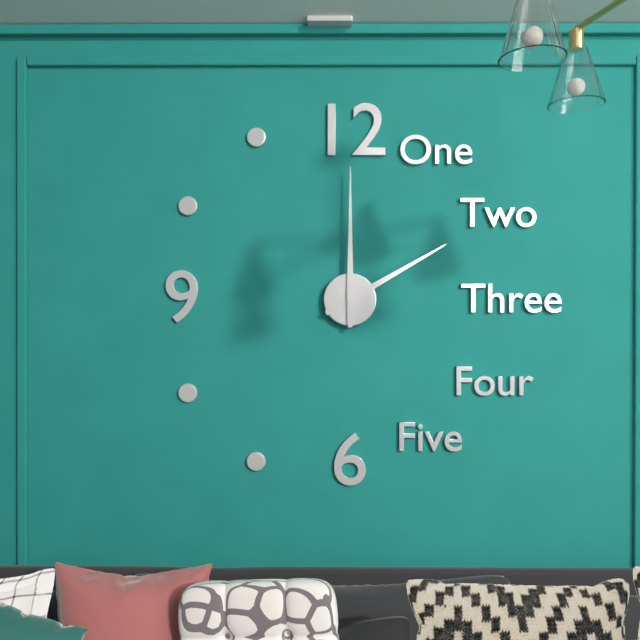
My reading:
2 h 00 min
